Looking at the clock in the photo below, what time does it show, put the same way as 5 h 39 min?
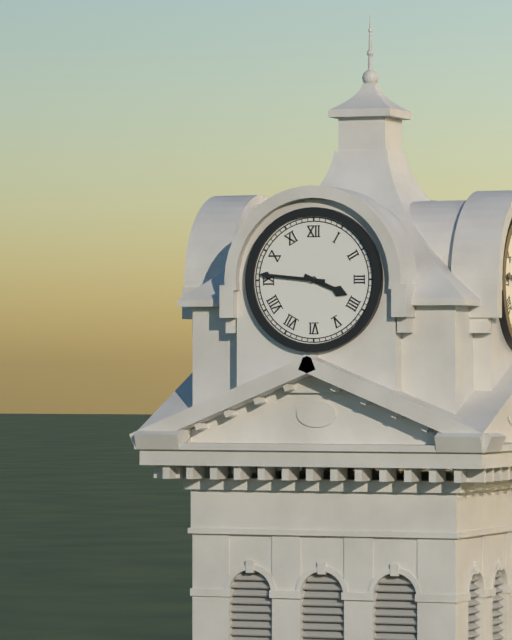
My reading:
3 h 46 min
